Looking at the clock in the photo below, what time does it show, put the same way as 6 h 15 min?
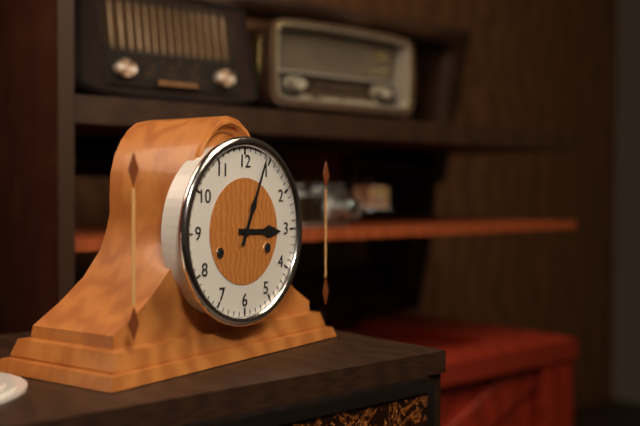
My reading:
3 h 04 min
